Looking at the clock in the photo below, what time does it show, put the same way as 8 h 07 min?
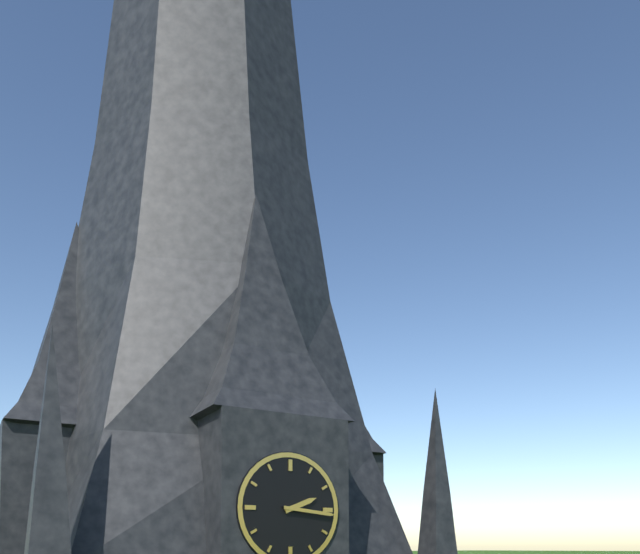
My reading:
2 h 16 min
